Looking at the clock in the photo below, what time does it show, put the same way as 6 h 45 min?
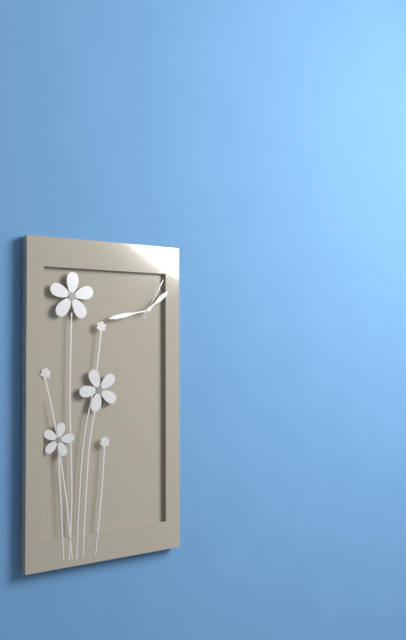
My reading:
1 h 43 min
